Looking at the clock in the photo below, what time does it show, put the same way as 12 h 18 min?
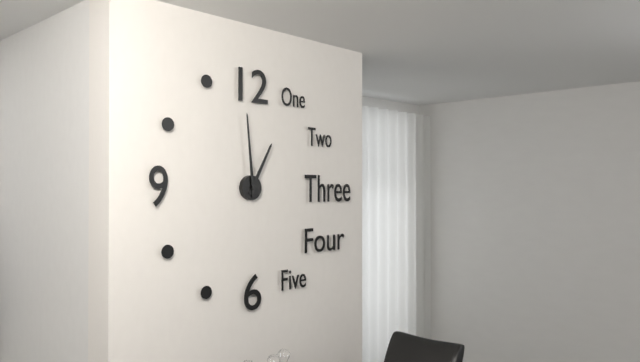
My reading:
12 h 59 min
